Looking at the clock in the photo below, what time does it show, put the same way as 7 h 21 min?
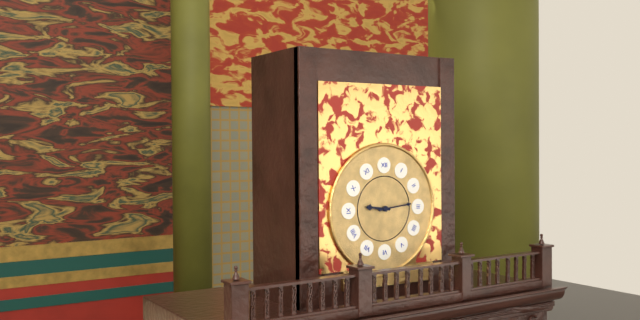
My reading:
9 h 14 min
